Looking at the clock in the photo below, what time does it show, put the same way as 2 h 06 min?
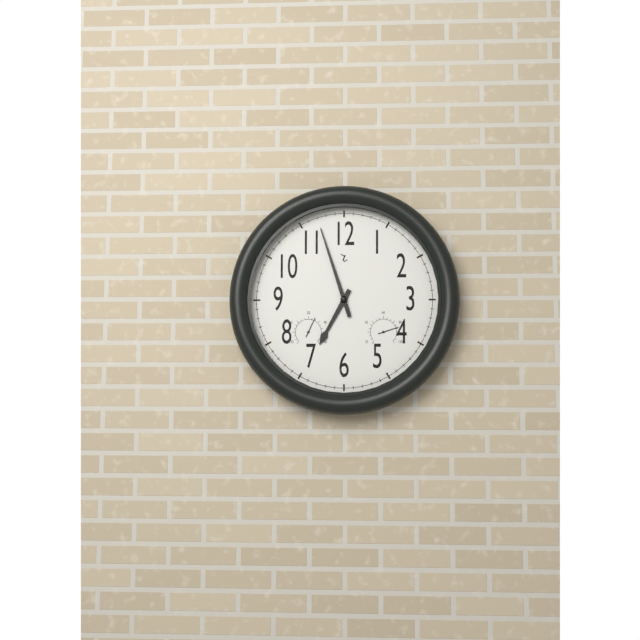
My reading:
6 h 57 min
